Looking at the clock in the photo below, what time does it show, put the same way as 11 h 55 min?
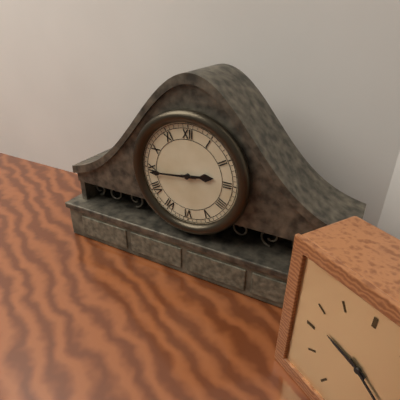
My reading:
2 h 44 min
